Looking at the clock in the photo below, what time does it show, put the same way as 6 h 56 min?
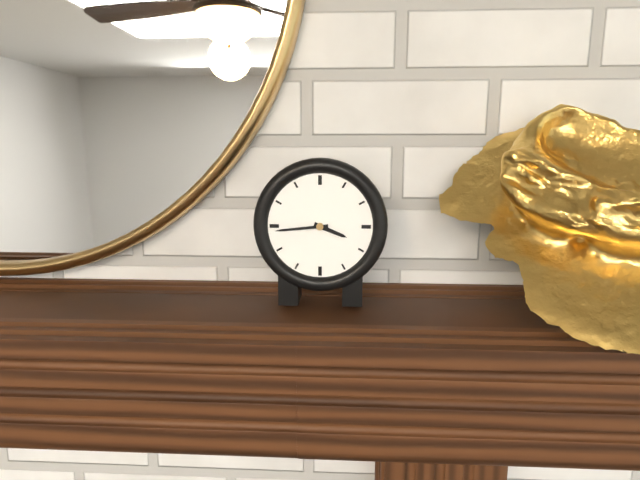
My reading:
3 h 44 min
